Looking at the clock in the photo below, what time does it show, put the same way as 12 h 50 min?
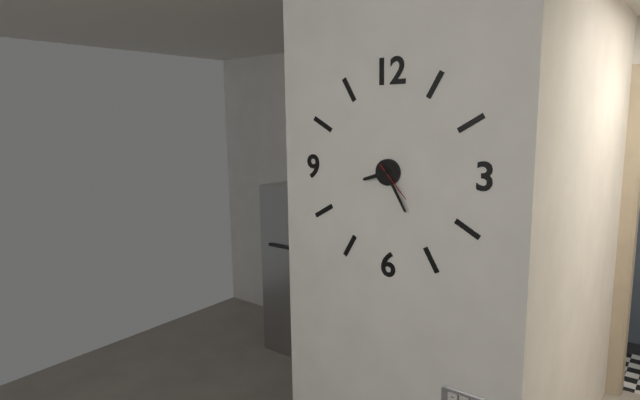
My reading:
8 h 25 min
